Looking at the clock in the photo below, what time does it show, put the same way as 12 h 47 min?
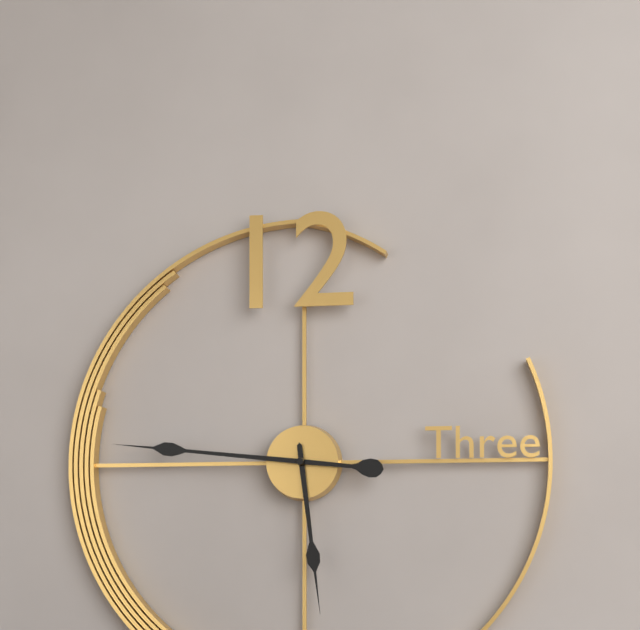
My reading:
5 h 46 min
